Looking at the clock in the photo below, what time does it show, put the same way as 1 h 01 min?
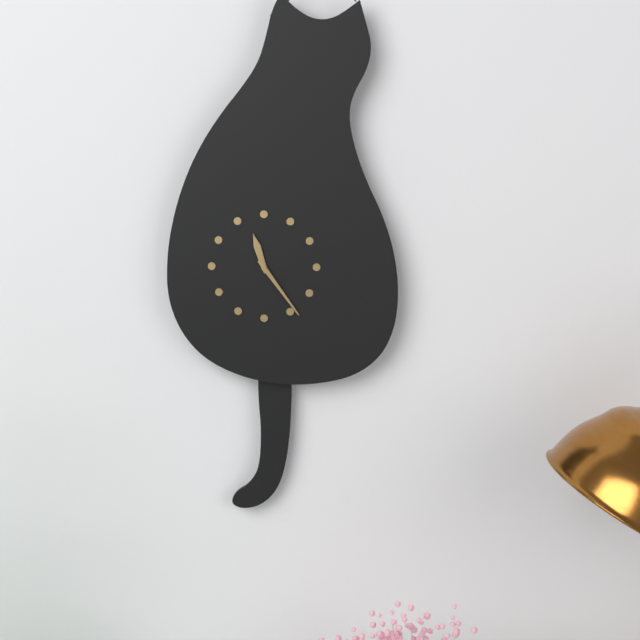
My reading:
11 h 24 min
